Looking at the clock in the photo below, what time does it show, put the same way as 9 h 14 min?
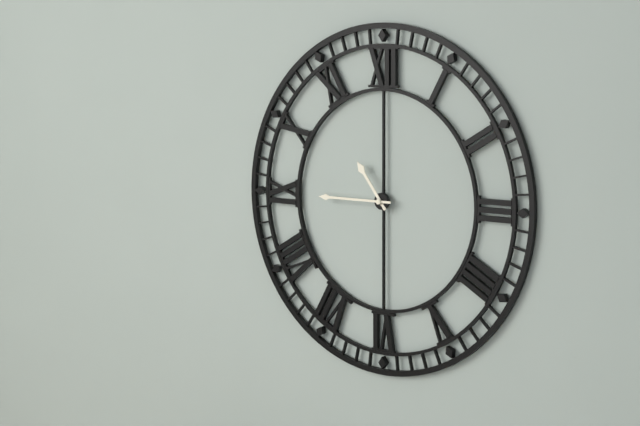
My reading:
10 h 45 min
